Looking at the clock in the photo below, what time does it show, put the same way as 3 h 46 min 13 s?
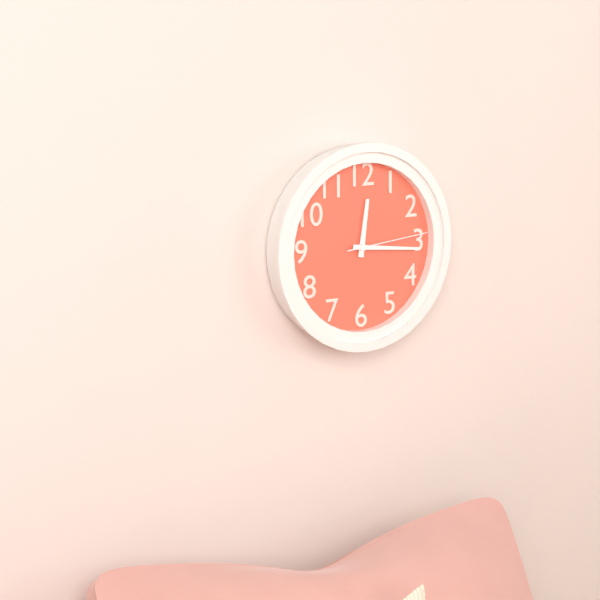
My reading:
12 h 16 min 14 s
